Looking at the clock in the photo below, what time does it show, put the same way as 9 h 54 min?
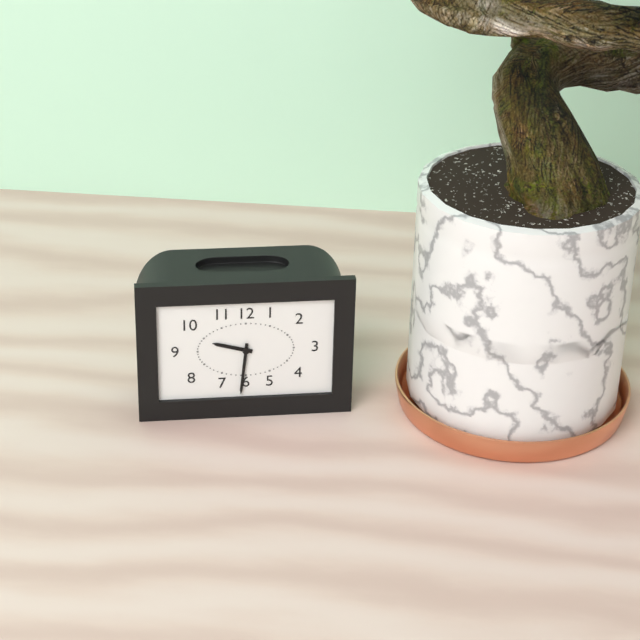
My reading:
9 h 31 min
